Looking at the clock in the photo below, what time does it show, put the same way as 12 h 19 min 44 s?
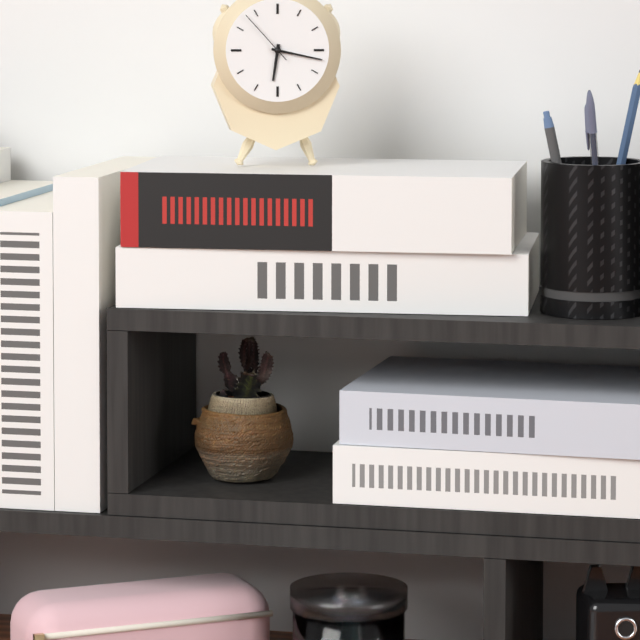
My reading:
6 h 17 min 53 s
